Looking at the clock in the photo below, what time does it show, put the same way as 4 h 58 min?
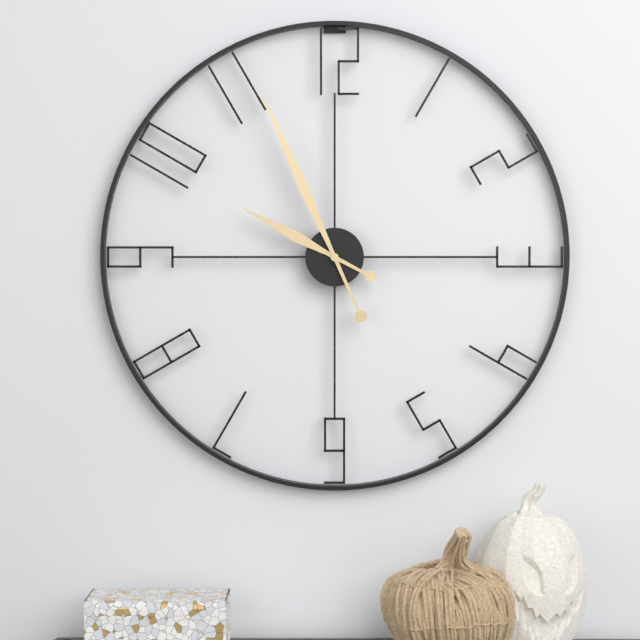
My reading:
9 h 56 min
